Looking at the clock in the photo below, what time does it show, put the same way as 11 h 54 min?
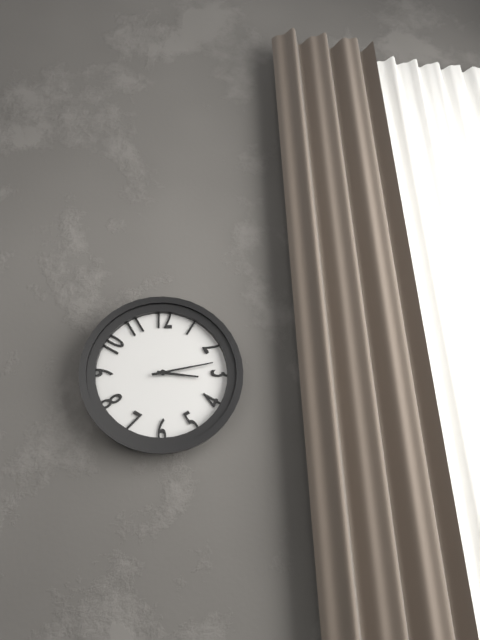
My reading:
3 h 13 min
